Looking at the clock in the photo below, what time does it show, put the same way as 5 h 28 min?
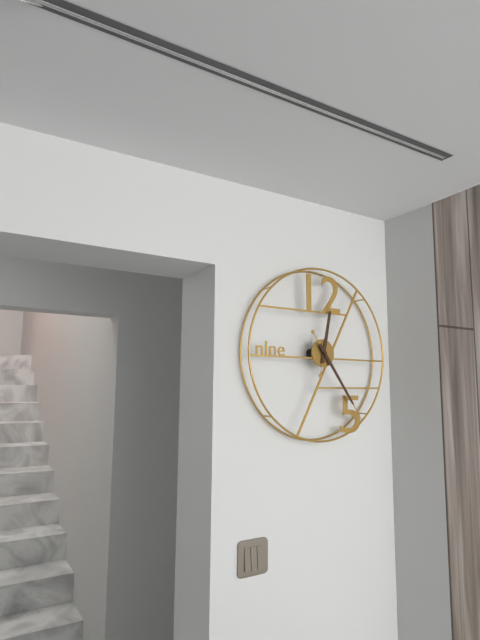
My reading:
12 h 24 min
